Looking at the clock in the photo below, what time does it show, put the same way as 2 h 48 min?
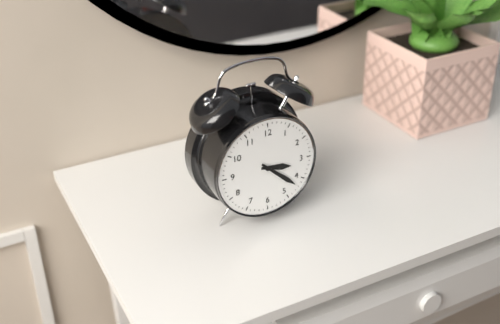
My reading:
3 h 22 min
